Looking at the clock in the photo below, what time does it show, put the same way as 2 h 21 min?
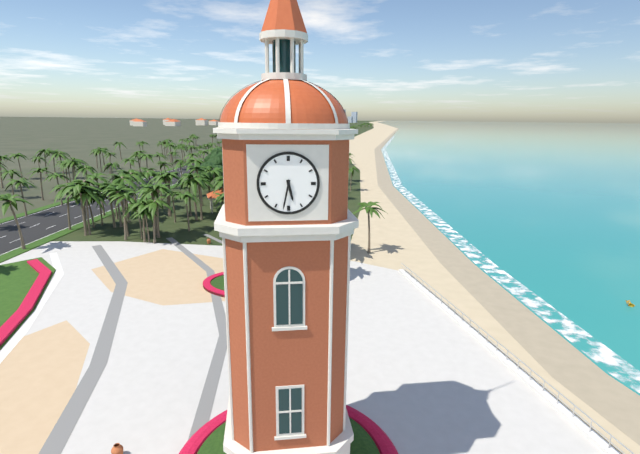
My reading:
5 h 32 min
